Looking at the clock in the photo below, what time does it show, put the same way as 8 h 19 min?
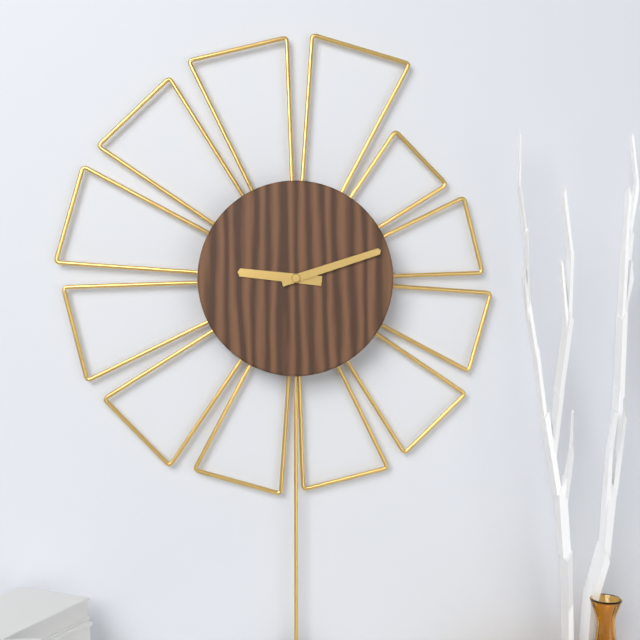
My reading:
9 h 12 min
